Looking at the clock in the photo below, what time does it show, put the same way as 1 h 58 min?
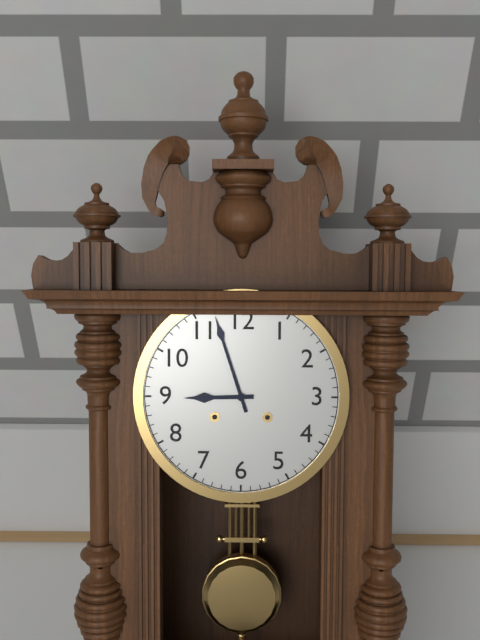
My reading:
8 h 57 min
